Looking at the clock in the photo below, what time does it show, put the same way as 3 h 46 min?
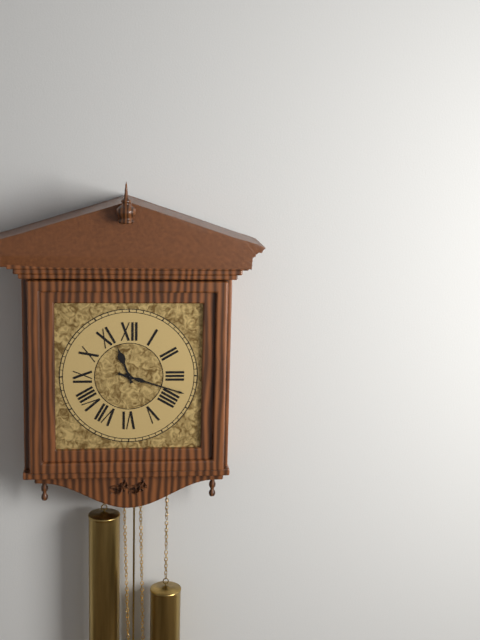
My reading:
11 h 18 min
